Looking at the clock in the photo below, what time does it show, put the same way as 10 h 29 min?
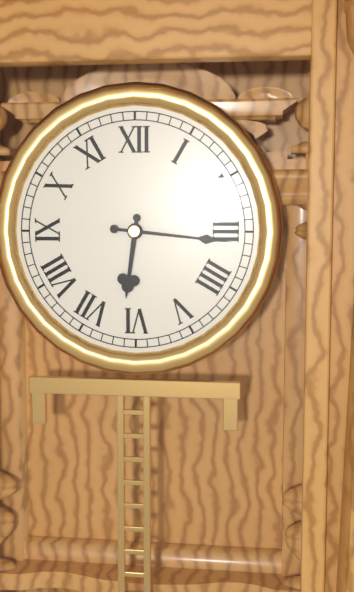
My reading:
6 h 16 min
